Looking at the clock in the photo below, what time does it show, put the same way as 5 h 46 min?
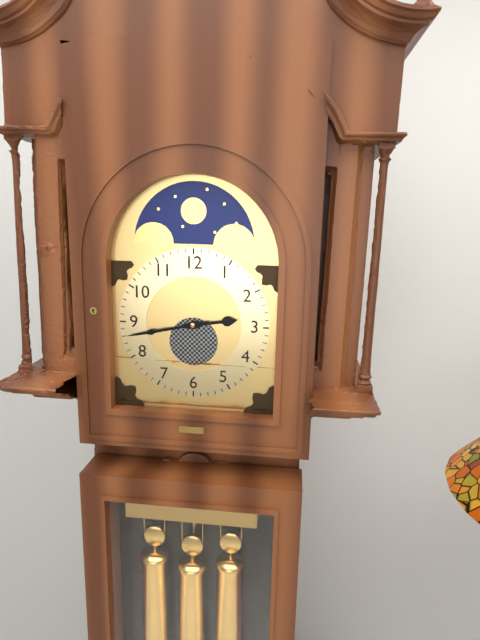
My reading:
2 h 43 min
